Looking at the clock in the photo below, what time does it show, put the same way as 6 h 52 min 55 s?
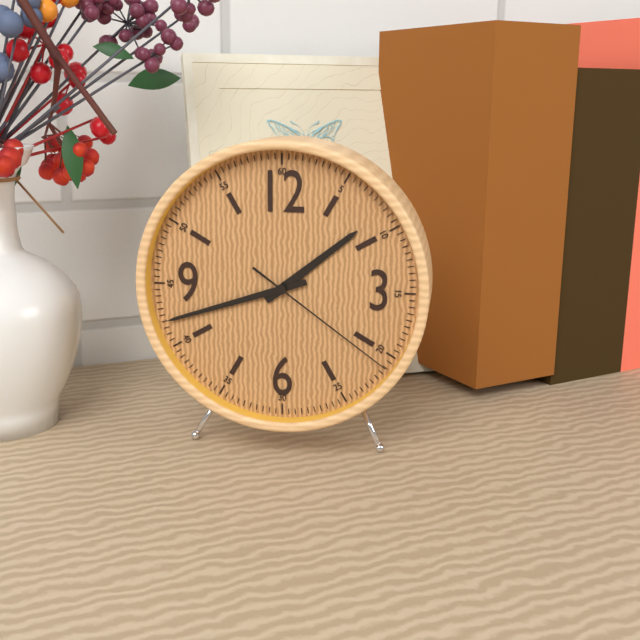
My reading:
1 h 42 min 21 s
